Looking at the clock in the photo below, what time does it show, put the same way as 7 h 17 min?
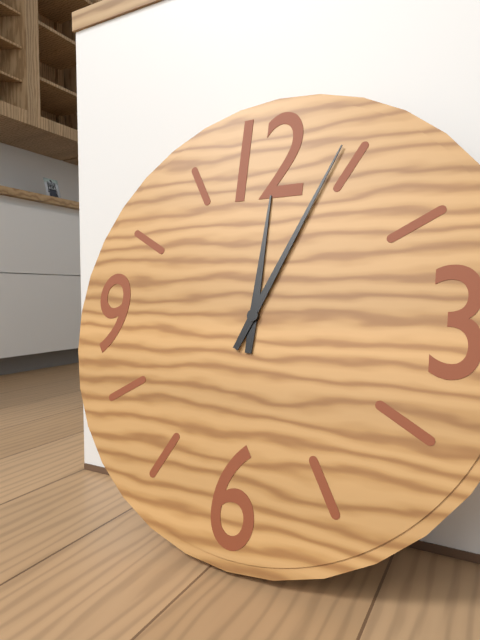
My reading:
12 h 04 min
